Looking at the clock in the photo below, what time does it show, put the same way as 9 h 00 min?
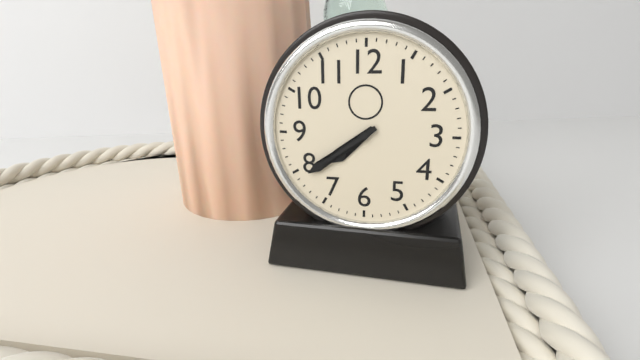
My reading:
7 h 39 min
